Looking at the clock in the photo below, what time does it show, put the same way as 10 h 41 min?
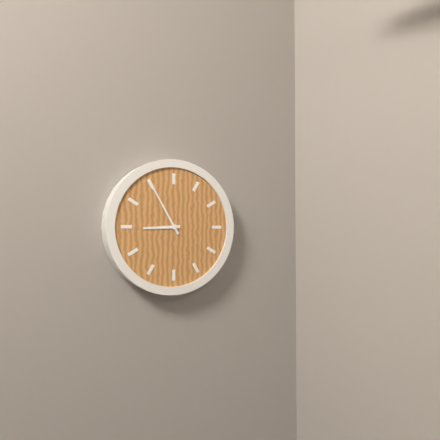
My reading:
8 h 55 min
